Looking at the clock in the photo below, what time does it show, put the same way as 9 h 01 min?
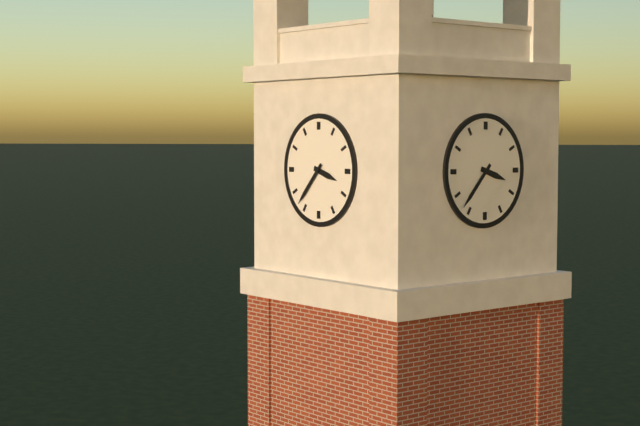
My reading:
3 h 37 min
